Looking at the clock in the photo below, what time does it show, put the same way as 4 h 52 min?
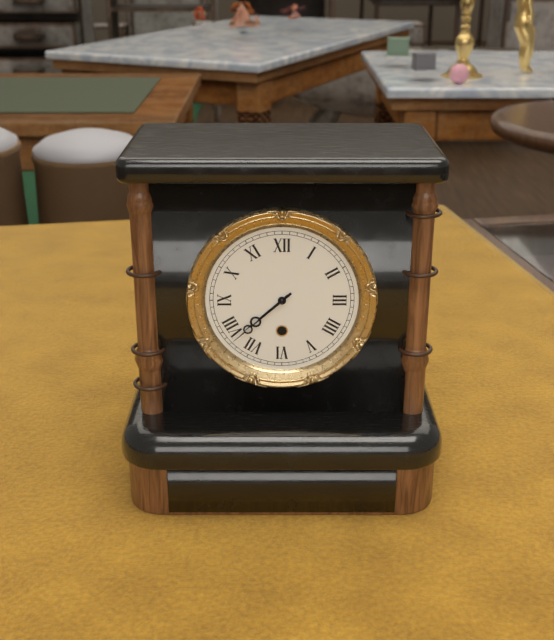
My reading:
7 h 38 min
